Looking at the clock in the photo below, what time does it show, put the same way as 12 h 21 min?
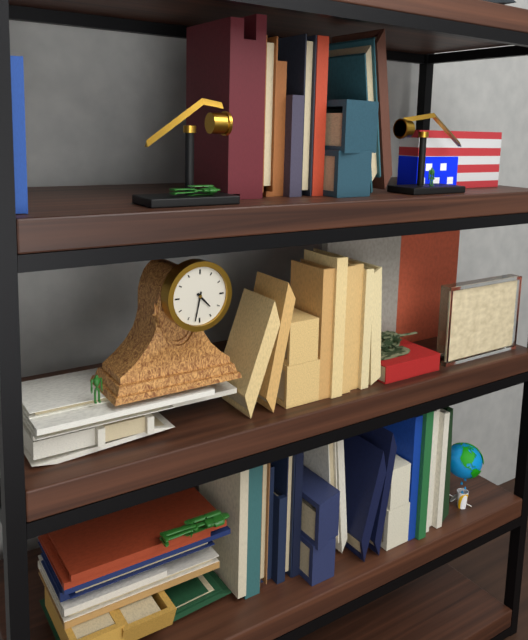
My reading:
4 h 32 min
